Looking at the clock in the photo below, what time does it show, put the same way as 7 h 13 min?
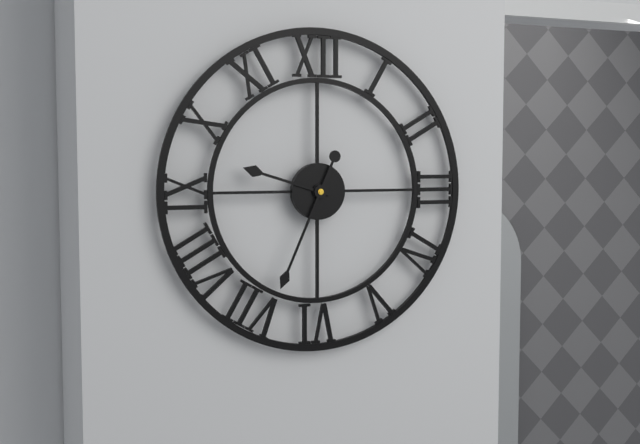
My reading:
9 h 34 min
